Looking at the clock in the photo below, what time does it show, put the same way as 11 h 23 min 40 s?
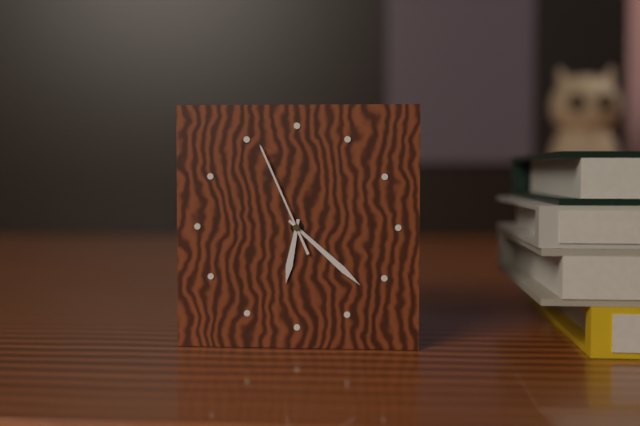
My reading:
6 h 22 min 56 s
